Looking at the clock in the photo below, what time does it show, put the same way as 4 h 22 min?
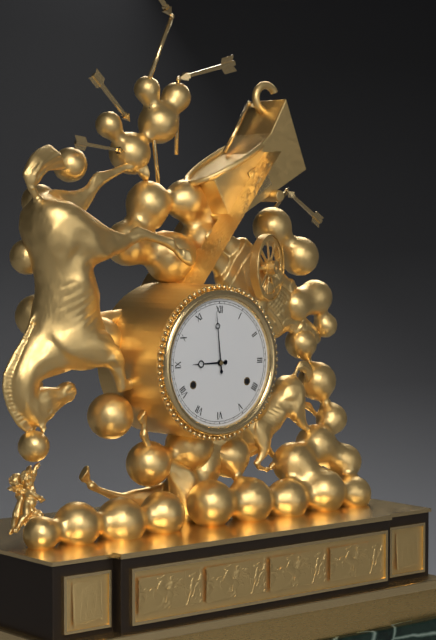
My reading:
8 h 59 min
